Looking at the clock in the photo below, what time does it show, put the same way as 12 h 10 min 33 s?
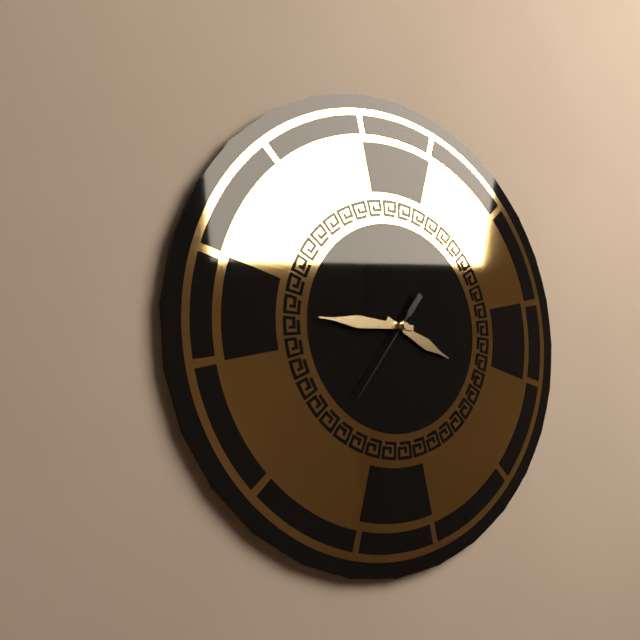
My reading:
3 h 45 min 36 s
